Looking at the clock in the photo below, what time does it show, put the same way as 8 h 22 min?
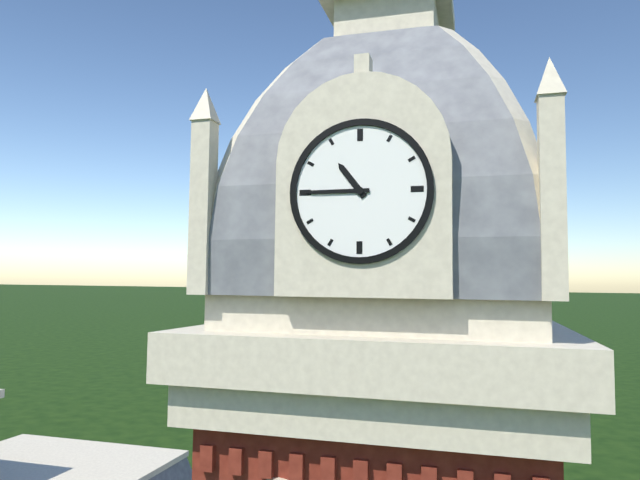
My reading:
10 h 45 min
